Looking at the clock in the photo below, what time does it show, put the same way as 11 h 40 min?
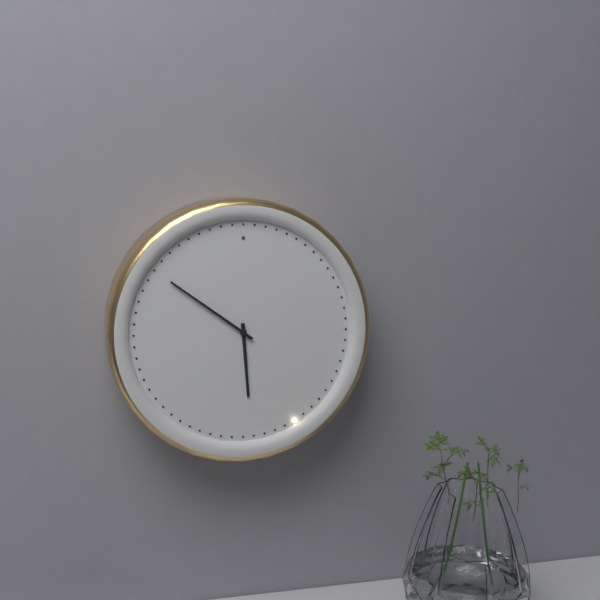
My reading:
5 h 51 min
